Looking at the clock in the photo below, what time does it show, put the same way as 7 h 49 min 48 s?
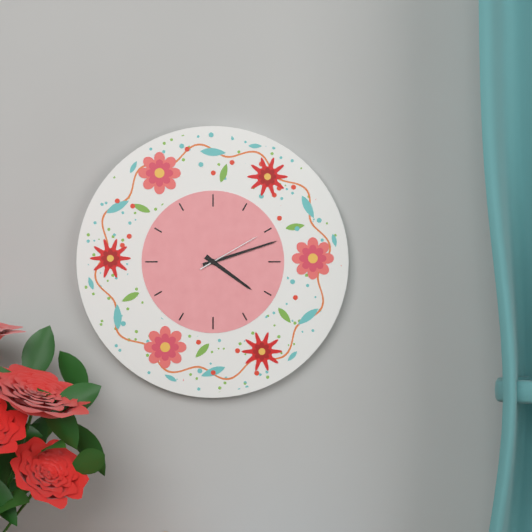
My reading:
4 h 12 min 10 s
